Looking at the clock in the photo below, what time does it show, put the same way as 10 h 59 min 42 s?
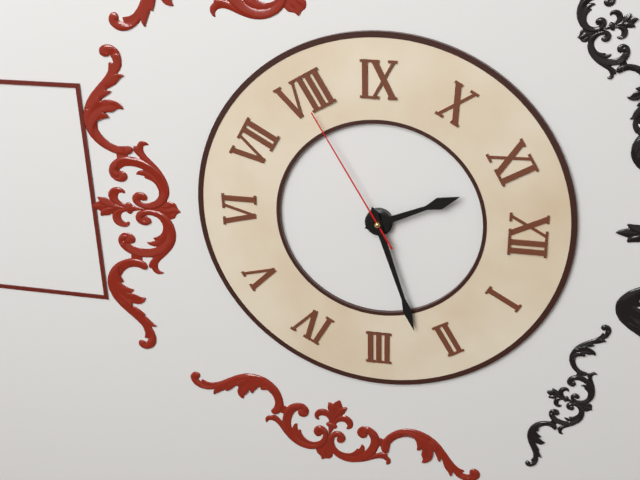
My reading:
11 h 12 min 40 s
